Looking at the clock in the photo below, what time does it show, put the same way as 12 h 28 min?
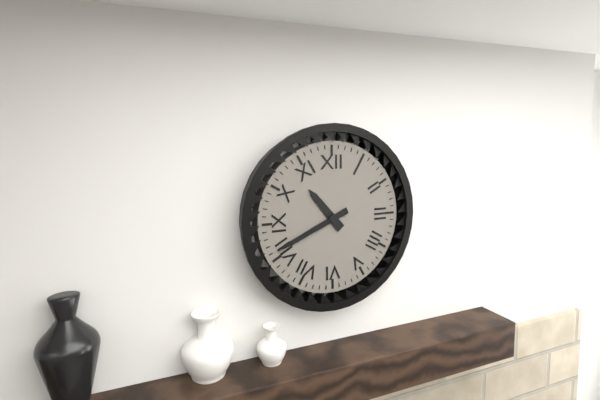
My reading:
10 h 41 min
